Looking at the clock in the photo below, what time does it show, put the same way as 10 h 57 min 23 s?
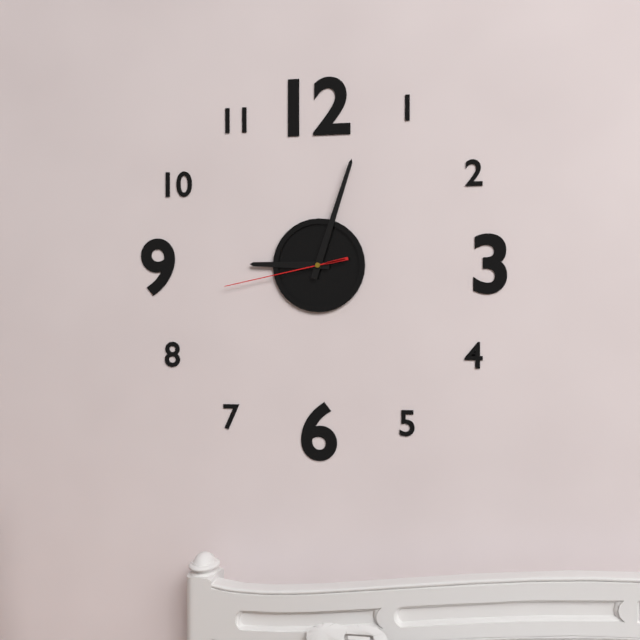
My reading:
9 h 03 min 43 s
